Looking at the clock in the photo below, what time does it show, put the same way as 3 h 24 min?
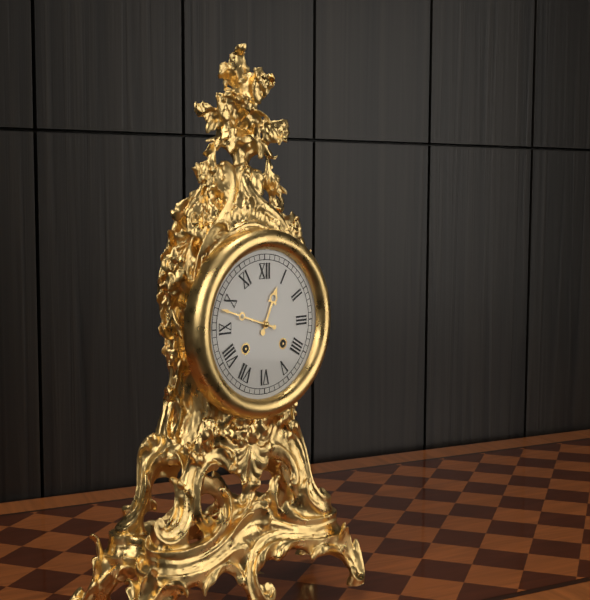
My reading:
12 h 48 min
